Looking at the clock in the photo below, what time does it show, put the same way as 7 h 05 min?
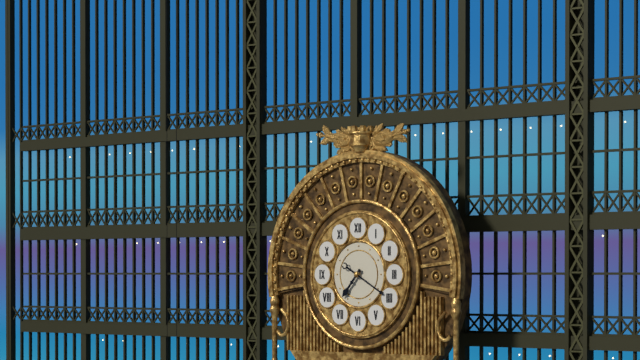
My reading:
7 h 20 min
